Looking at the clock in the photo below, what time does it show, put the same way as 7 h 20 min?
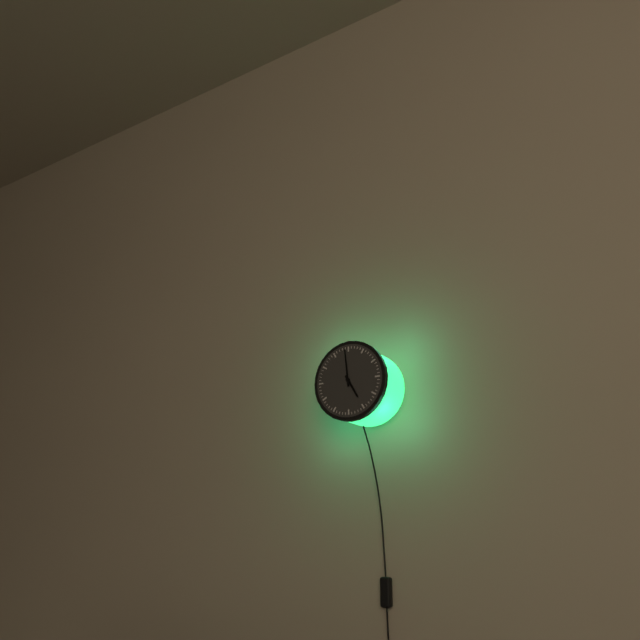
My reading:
4 h 59 min
